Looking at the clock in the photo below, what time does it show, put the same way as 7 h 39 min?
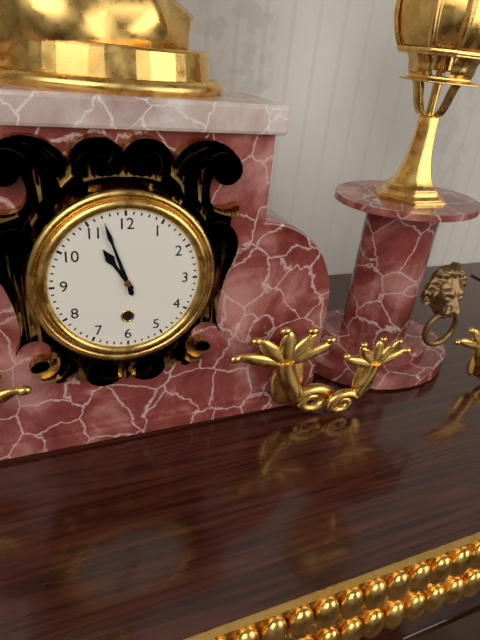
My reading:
10 h 57 min
